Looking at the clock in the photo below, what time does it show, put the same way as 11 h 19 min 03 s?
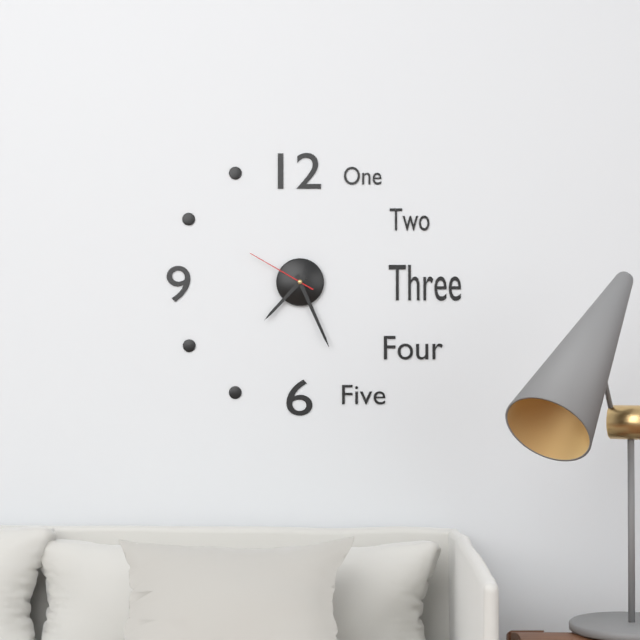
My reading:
7 h 26 min 50 s
